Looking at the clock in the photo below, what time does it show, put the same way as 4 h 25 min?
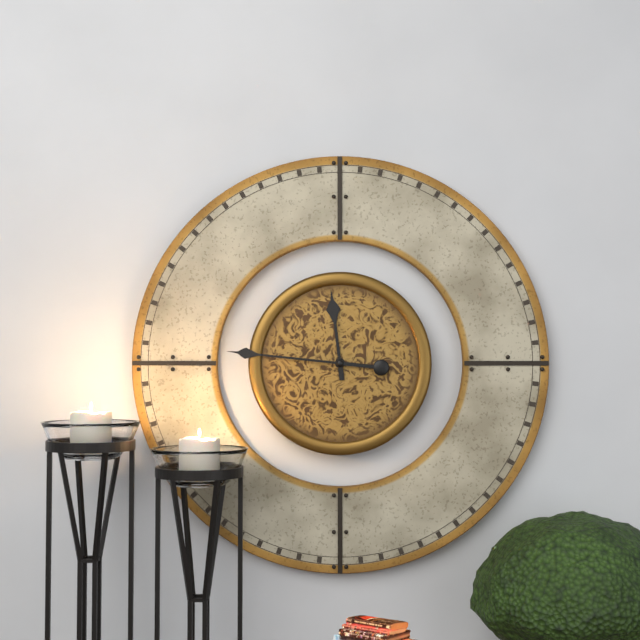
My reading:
11 h 46 min
